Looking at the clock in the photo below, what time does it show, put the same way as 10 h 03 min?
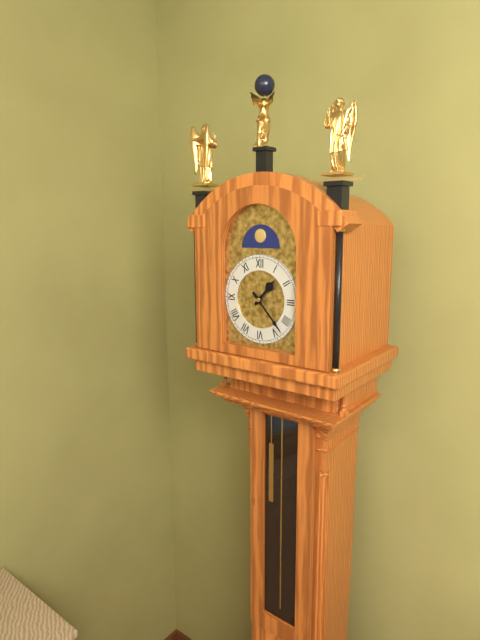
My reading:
1 h 23 min
